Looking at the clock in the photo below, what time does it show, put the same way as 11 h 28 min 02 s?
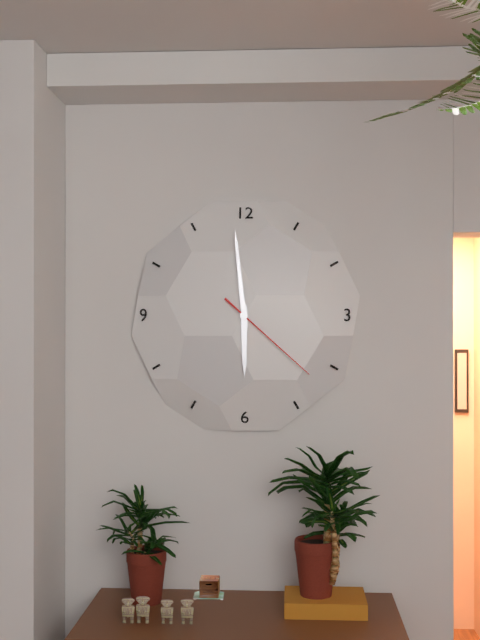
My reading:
5 h 59 min 22 s
